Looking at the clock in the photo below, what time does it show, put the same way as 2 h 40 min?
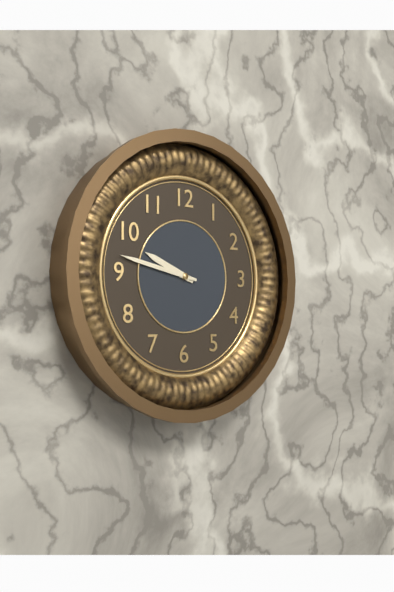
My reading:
9 h 47 min
